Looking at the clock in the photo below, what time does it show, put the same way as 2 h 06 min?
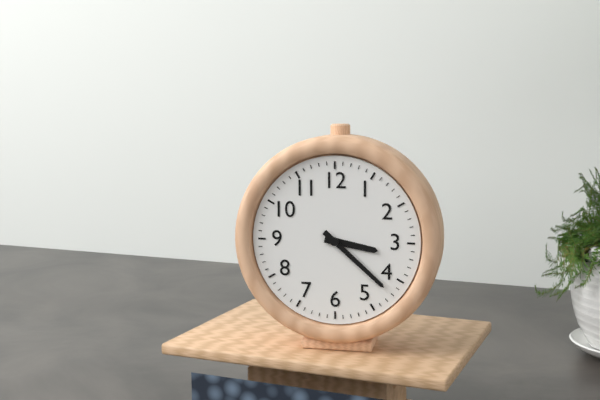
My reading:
3 h 22 min
